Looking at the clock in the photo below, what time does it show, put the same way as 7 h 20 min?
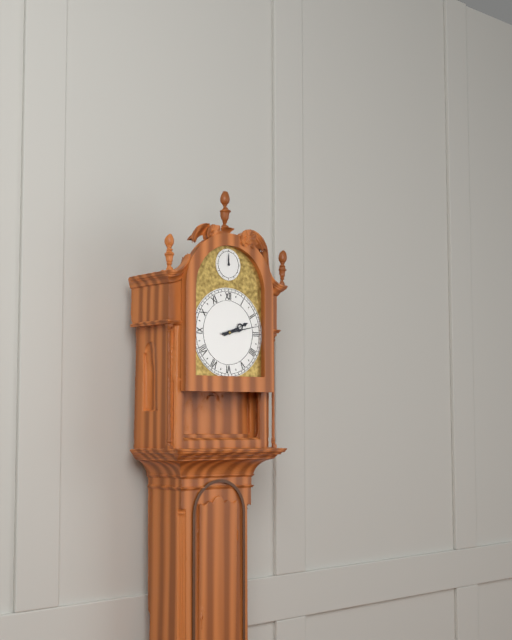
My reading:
2 h 13 min
